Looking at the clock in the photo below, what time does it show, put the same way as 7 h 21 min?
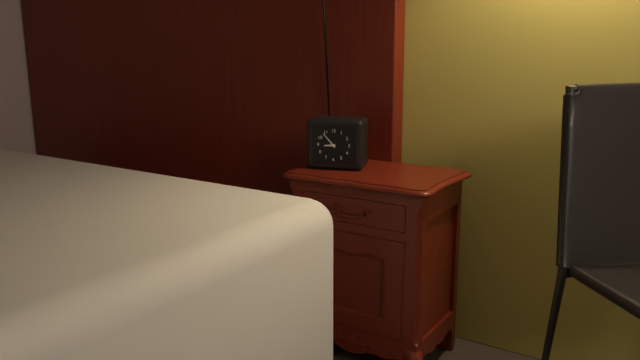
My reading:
8 h 53 min
